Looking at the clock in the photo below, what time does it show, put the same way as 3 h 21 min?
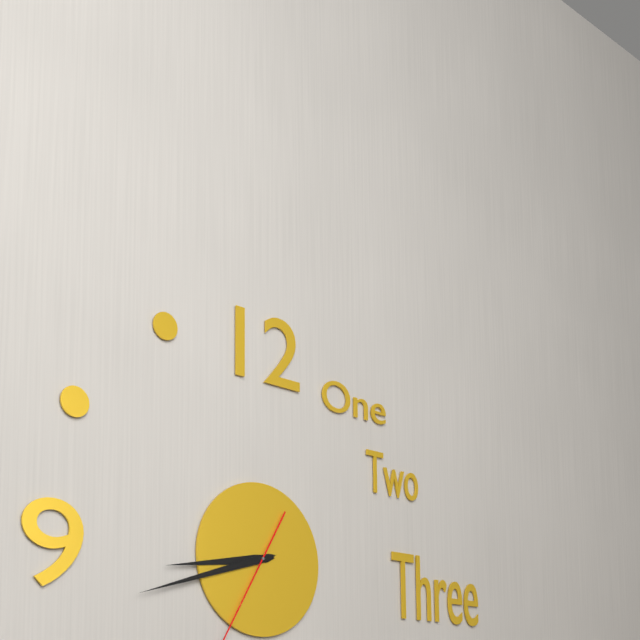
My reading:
8 h 42 min
